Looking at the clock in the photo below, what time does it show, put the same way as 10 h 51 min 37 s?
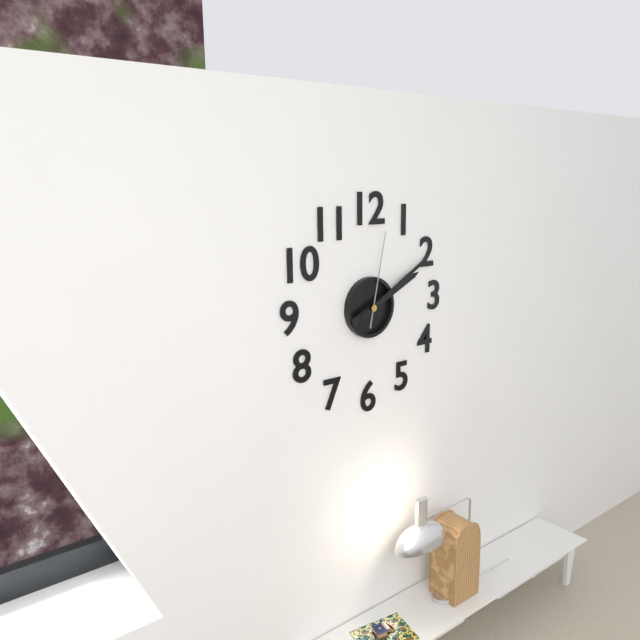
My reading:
2 h 10 min 02 s
